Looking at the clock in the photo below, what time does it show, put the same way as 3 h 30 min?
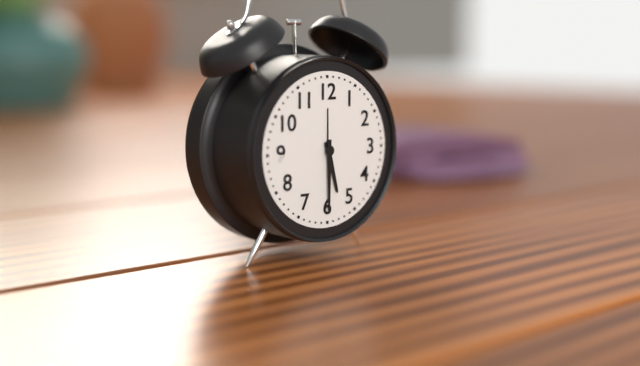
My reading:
5 h 30 min
